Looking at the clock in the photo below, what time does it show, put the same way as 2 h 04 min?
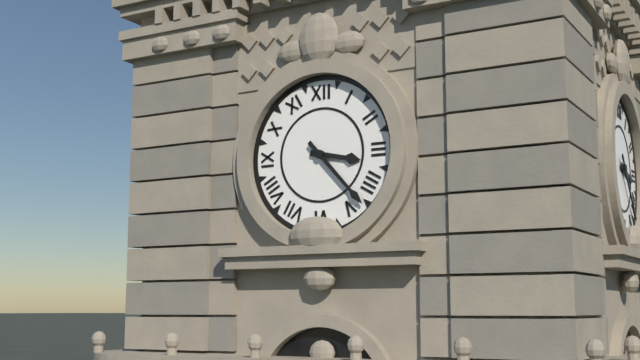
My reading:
3 h 23 min
